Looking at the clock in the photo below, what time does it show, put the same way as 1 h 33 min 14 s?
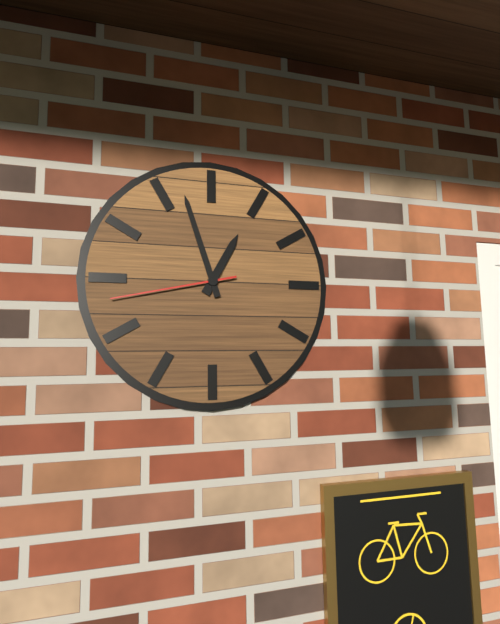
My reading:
12 h 57 min 43 s
